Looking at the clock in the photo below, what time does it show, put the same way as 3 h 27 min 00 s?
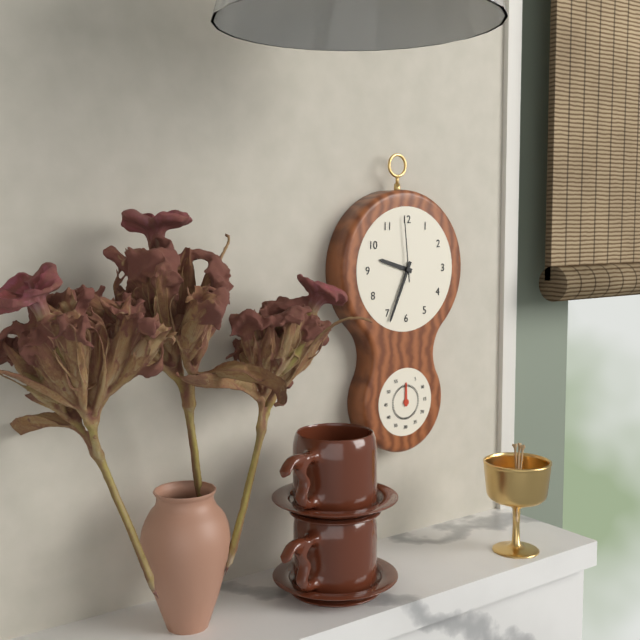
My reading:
9 h 34 min 59 s
